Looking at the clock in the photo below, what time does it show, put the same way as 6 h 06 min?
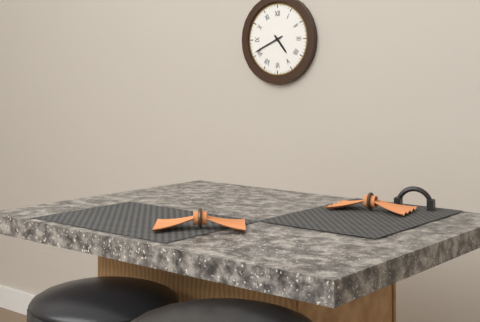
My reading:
4 h 41 min
